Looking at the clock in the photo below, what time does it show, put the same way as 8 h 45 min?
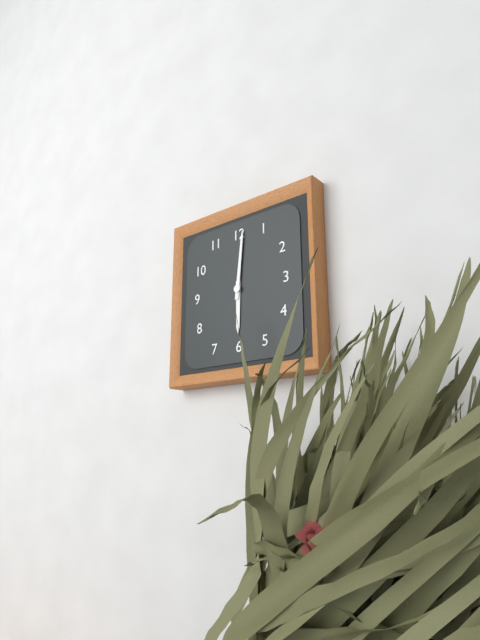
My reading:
6 h 01 min
